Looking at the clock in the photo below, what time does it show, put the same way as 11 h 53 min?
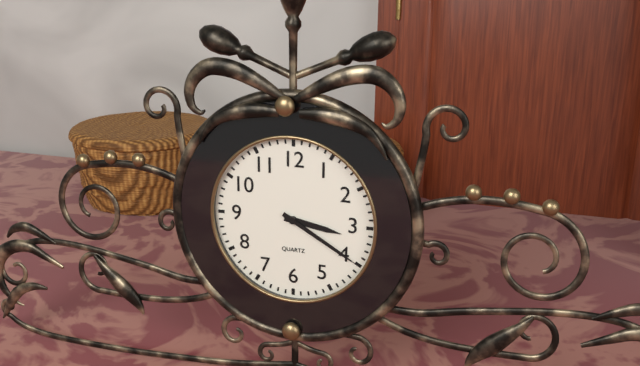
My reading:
3 h 20 min
